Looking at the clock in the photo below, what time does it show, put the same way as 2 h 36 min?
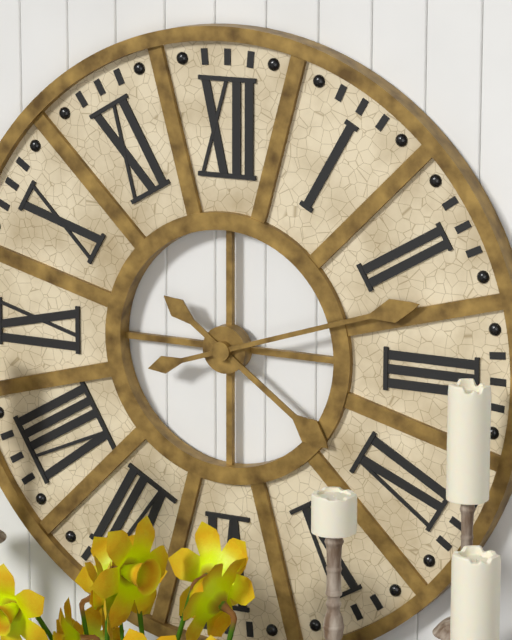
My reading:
4 h 12 min
